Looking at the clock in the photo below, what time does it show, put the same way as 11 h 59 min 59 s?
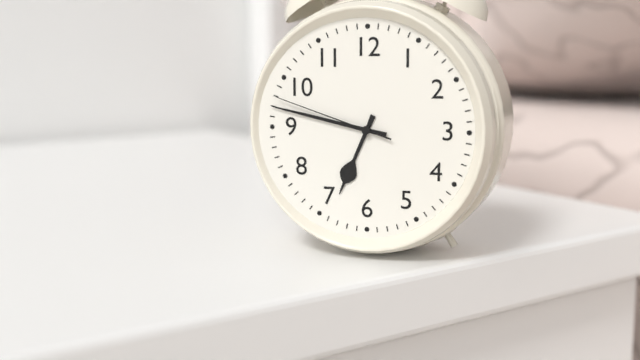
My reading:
6 h 47 min 48 s
